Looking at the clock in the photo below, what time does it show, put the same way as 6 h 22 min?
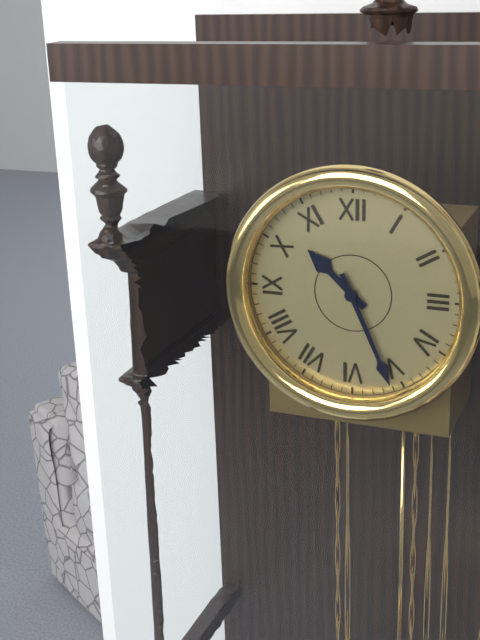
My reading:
10 h 26 min
